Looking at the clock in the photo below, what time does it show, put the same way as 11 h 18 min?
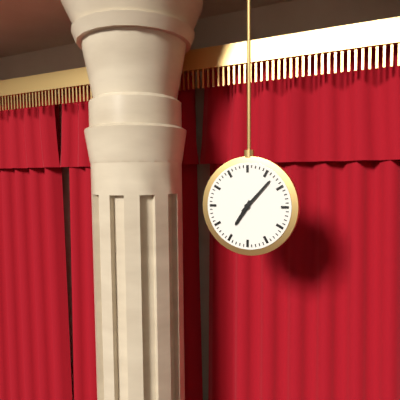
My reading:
7 h 07 min
